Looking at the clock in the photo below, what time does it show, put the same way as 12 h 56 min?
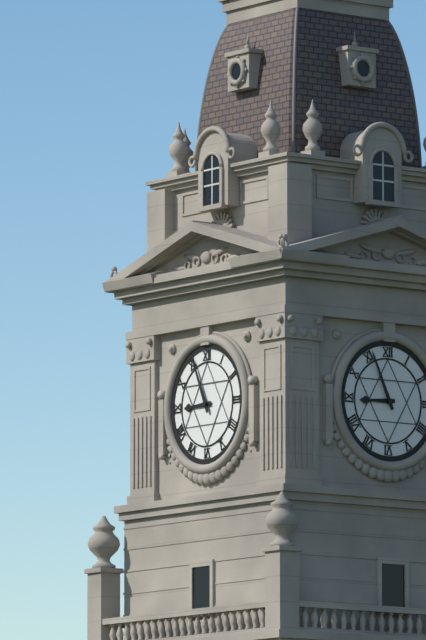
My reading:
8 h 56 min
